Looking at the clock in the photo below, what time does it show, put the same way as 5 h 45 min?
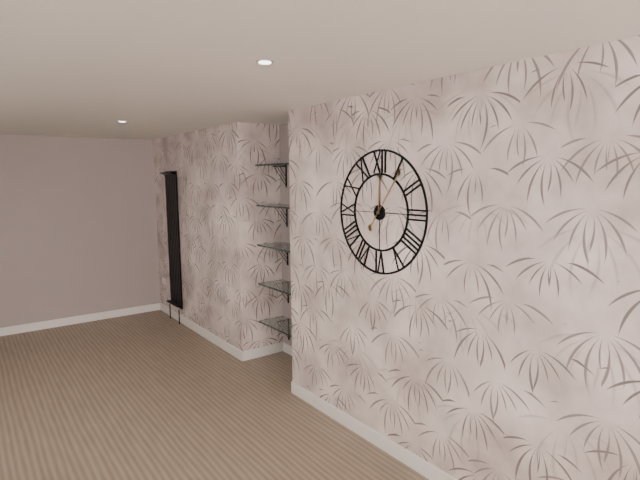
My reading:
12 h 06 min
